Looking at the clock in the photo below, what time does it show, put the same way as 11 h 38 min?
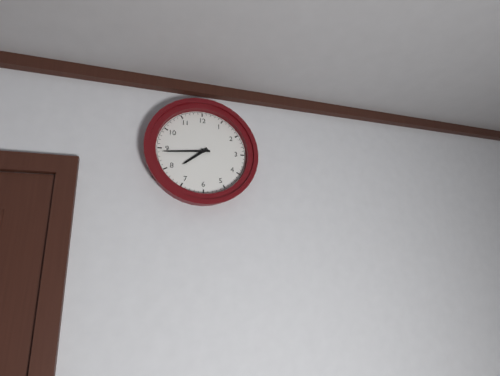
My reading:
7 h 44 min
